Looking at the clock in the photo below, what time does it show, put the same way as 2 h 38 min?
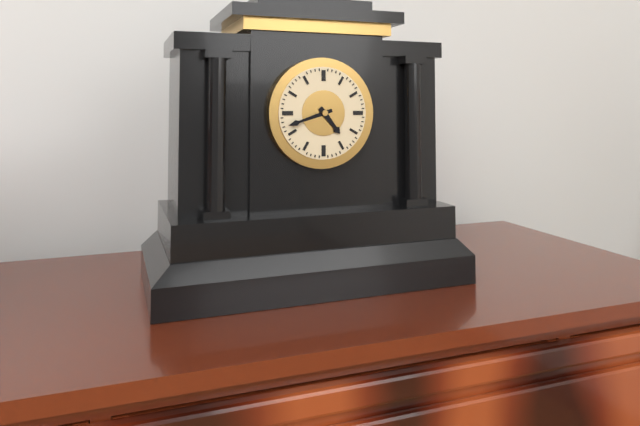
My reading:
4 h 42 min
